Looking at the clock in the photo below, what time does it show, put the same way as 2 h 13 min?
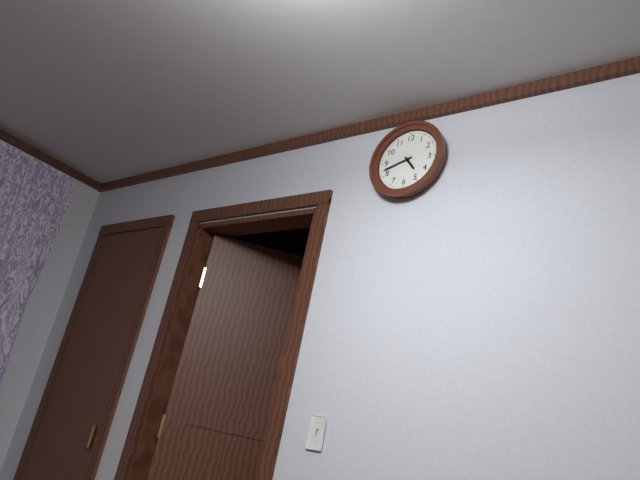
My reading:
4 h 42 min
